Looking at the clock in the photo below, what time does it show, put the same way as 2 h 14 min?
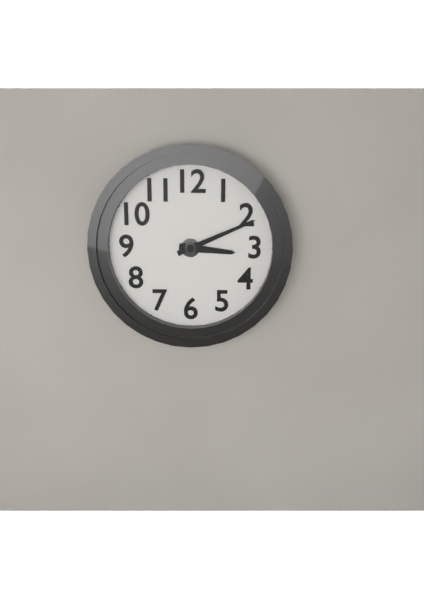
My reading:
3 h 11 min
